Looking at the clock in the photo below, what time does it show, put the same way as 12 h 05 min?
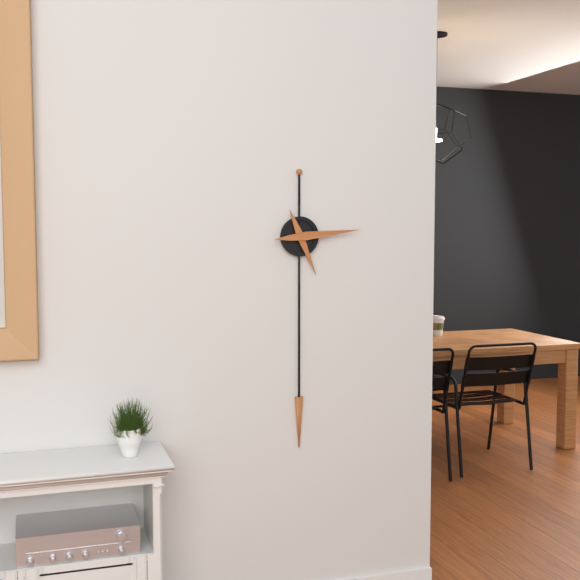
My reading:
5 h 14 min
